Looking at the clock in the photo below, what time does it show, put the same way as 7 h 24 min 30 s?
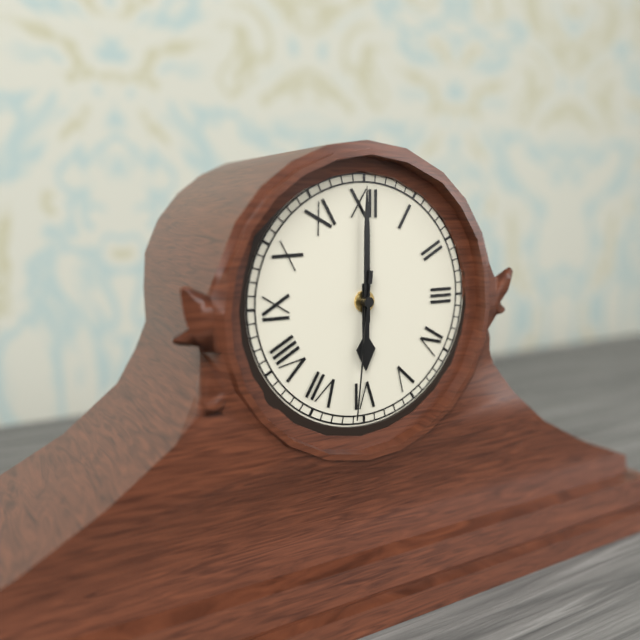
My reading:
6 h 00 min 31 s
